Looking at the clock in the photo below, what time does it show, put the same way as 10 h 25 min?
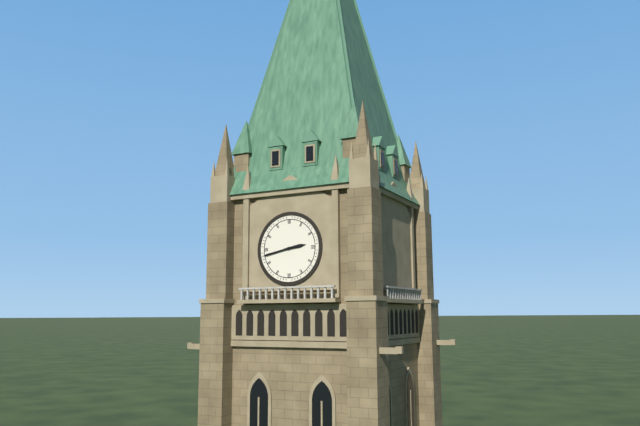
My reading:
2 h 43 min
